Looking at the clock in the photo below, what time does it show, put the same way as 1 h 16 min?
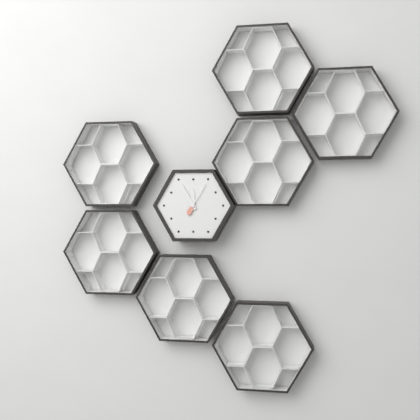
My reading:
11 h 55 min
